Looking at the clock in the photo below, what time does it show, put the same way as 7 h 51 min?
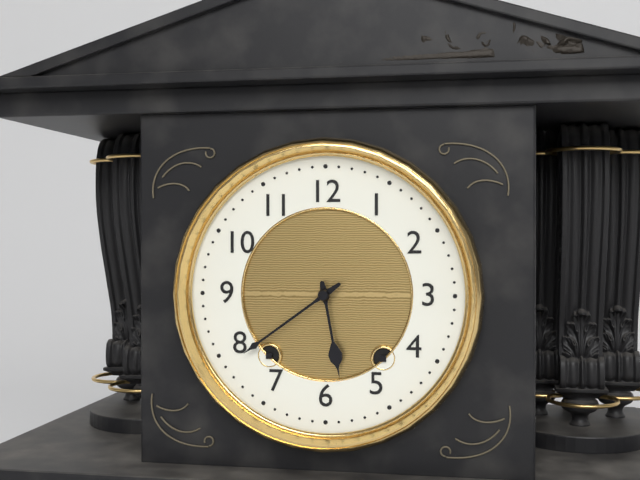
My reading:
5 h 39 min
